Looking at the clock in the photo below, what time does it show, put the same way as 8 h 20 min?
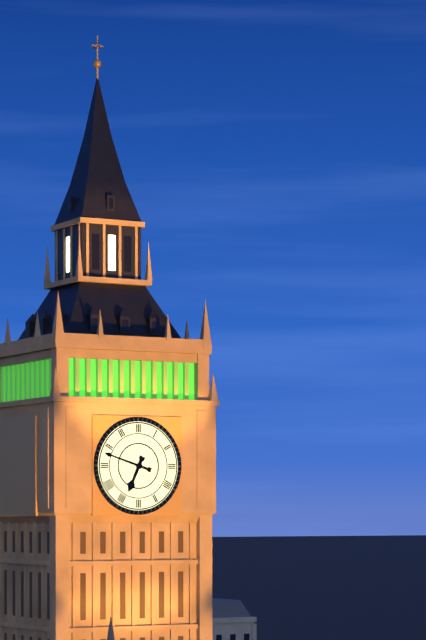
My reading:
6 h 48 min
